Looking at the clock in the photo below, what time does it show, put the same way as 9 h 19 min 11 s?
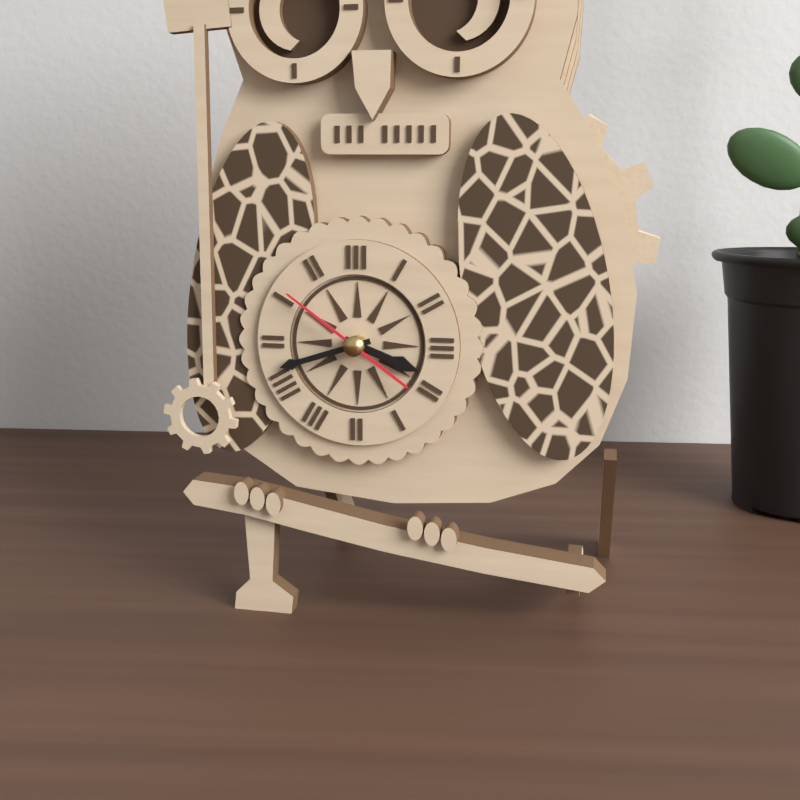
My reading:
3 h 42 min 51 s
